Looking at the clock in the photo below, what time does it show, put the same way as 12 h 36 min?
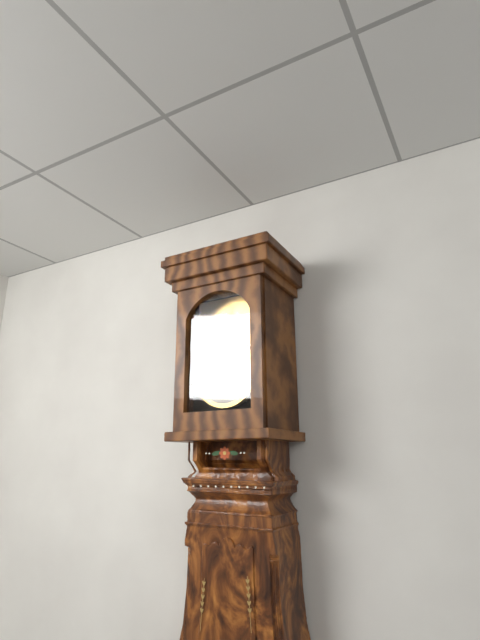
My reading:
9 h 17 min
